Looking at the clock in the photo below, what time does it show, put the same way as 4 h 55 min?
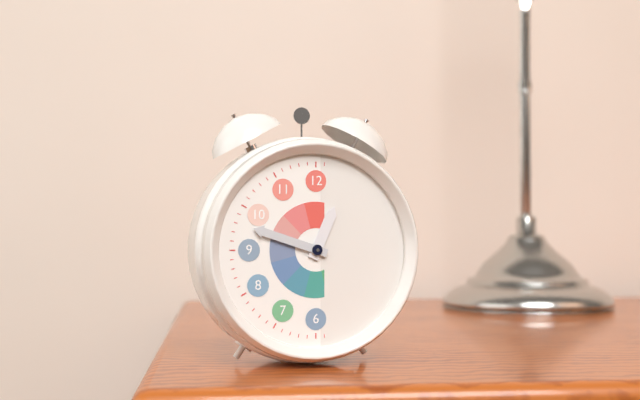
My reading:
12 h 48 min
